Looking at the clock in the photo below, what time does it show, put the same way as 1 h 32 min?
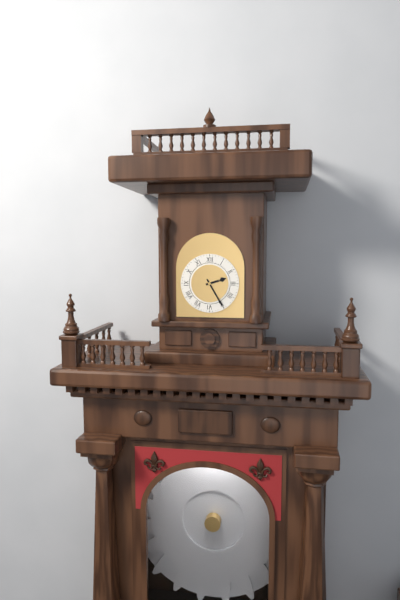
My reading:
2 h 25 min
